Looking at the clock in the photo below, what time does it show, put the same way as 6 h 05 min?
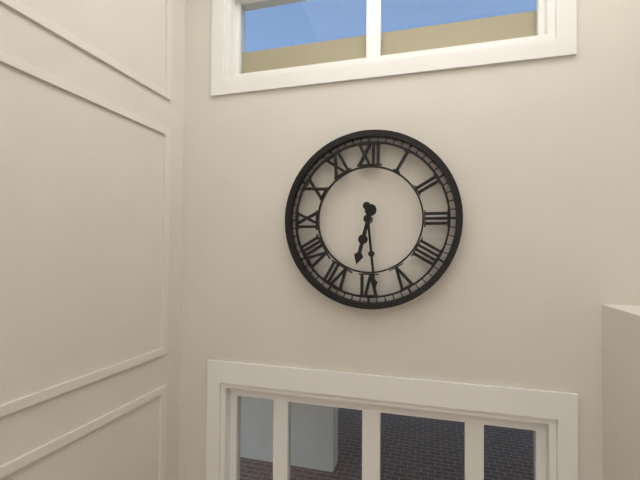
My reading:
6 h 29 min
